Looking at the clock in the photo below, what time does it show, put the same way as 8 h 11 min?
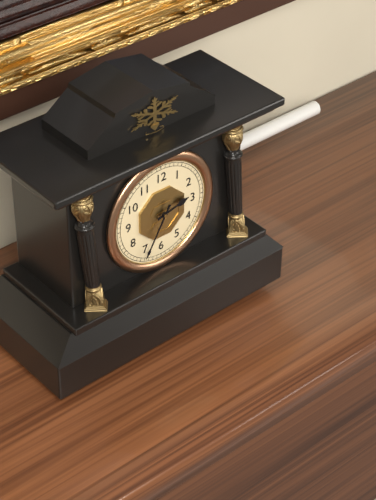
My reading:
2 h 35 min
